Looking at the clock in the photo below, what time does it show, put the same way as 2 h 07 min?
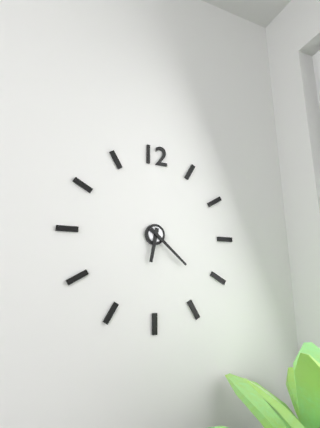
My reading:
6 h 22 min
